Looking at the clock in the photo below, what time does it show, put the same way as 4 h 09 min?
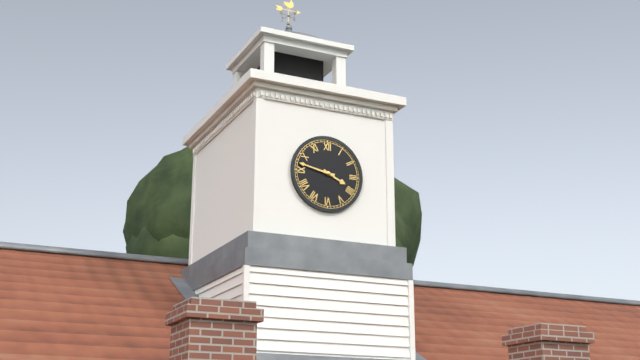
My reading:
3 h 47 min
